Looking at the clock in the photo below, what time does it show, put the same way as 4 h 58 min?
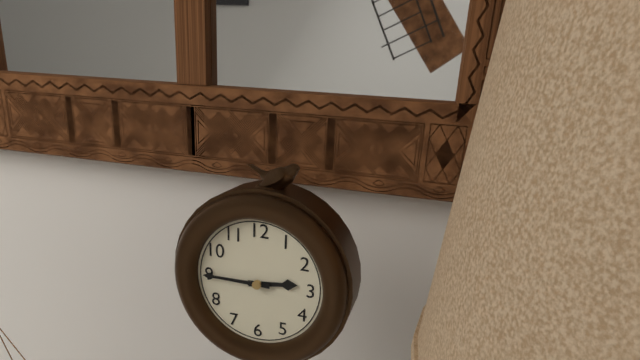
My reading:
2 h 45 min
